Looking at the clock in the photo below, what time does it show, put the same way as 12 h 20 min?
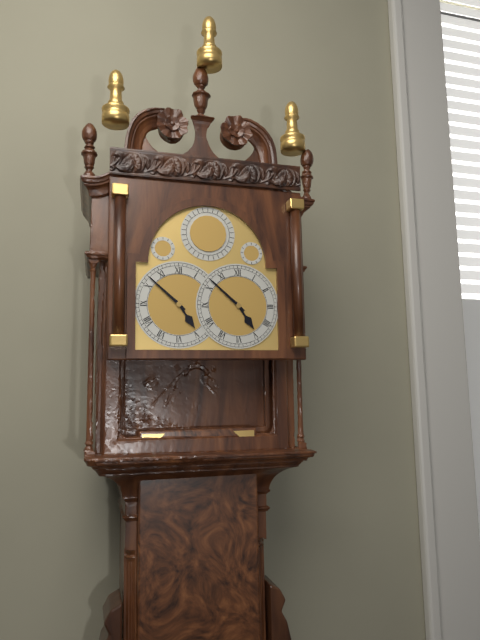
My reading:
4 h 52 min
